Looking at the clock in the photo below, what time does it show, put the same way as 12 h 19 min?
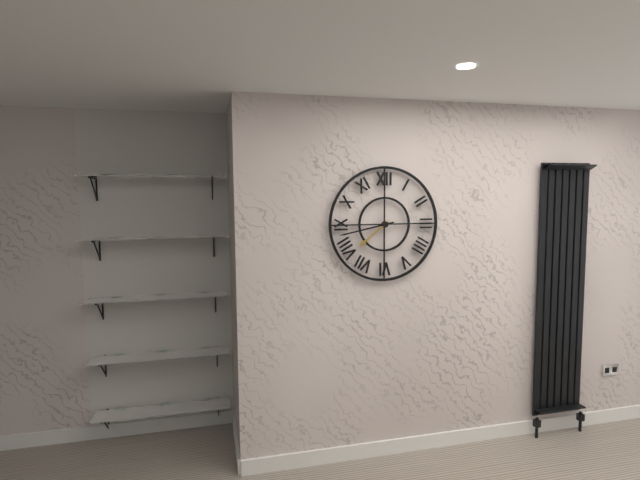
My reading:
7 h 43 min
